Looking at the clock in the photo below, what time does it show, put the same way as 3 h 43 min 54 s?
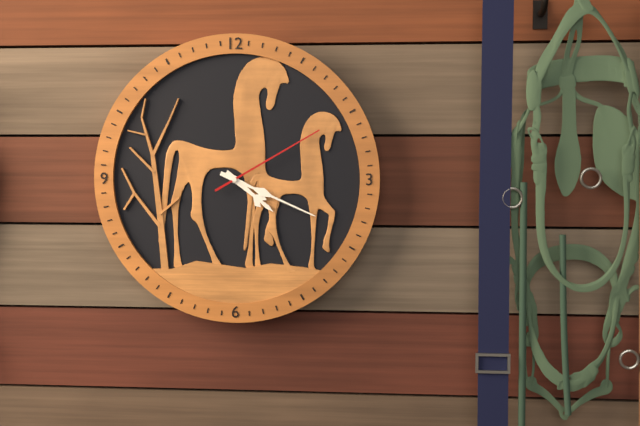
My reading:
4 h 19 min 10 s
